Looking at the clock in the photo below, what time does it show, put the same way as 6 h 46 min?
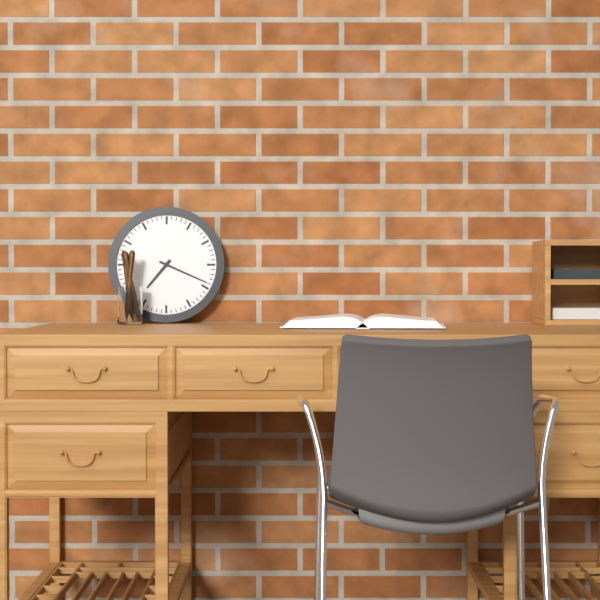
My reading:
7 h 19 min
